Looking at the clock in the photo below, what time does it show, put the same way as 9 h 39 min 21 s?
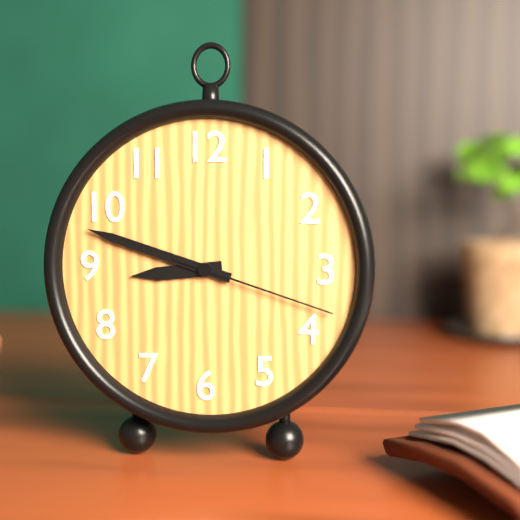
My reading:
8 h 48 min 18 s
